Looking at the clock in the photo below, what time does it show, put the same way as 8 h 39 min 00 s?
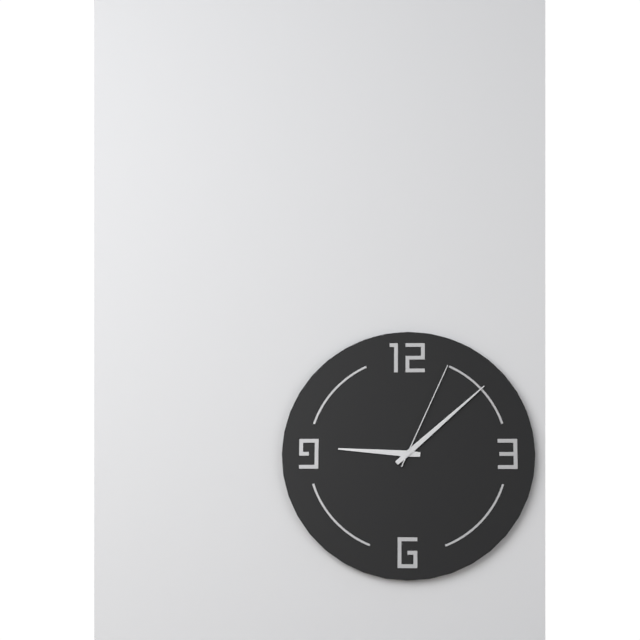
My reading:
9 h 08 min 04 s
